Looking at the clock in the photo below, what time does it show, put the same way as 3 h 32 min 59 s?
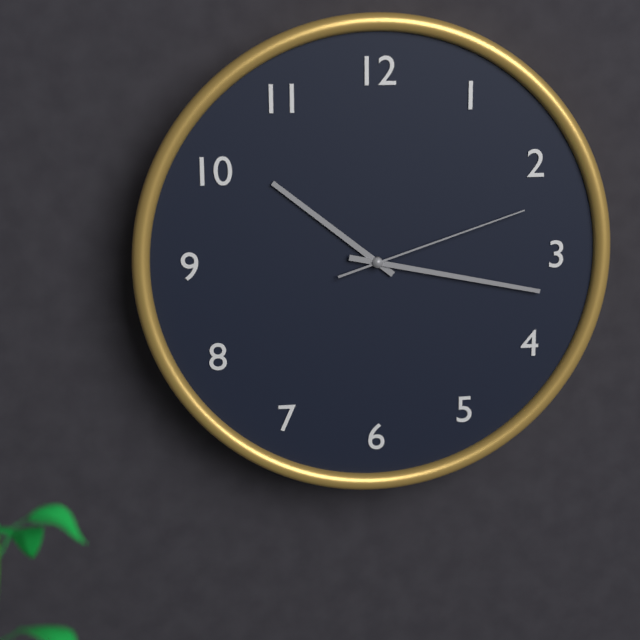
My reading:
10 h 17 min 12 s
